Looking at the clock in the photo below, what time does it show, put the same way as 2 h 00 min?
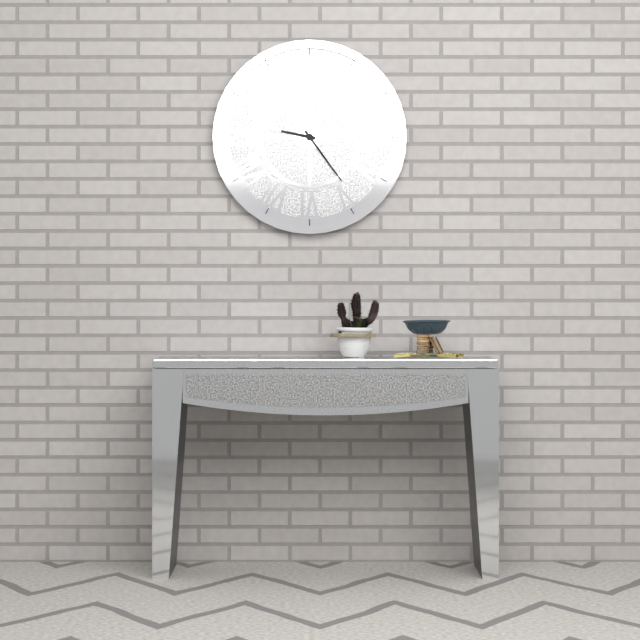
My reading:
9 h 24 min
